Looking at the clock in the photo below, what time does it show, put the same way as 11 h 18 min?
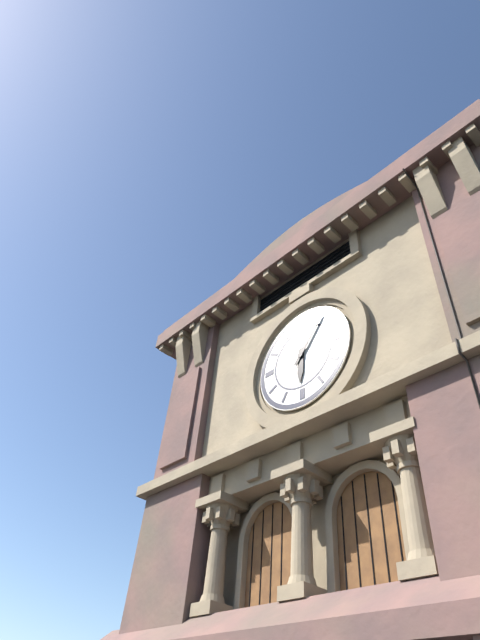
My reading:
6 h 06 min
